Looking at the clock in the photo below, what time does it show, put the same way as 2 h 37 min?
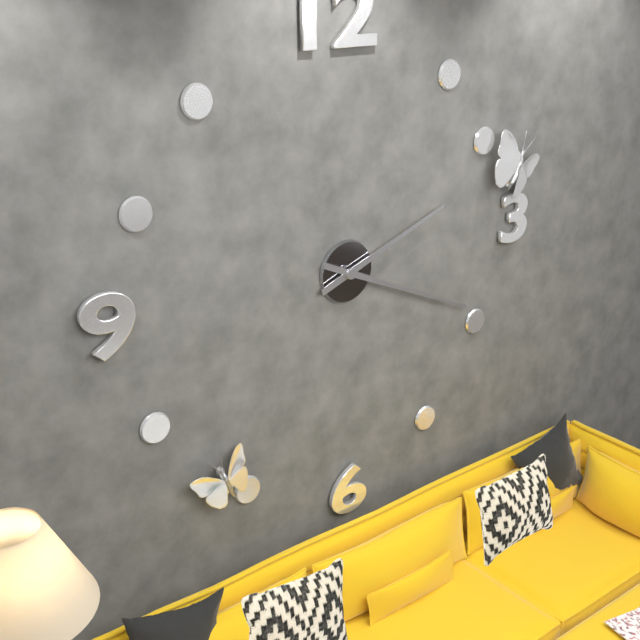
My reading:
2 h 19 min
